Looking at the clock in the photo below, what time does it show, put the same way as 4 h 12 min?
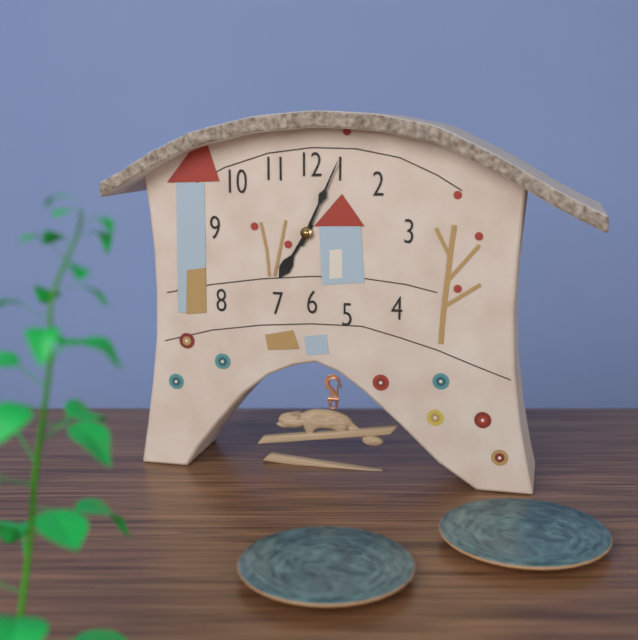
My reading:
7 h 04 min
